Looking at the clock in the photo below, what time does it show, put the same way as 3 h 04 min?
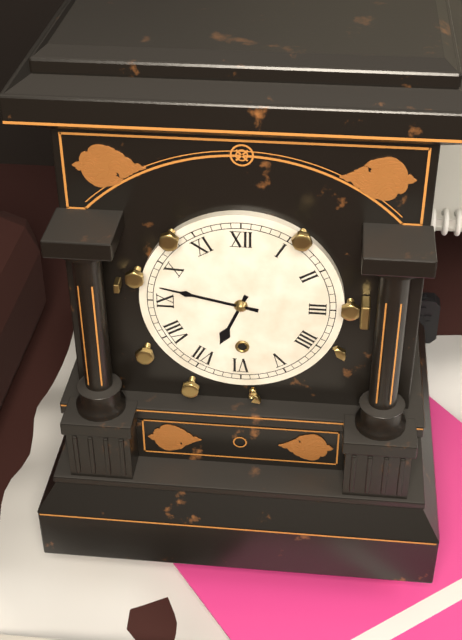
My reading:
6 h 47 min
